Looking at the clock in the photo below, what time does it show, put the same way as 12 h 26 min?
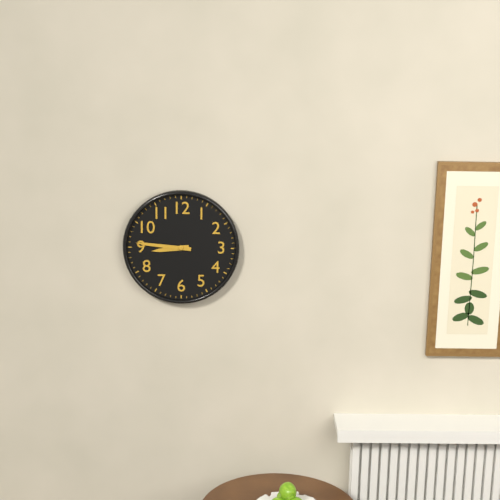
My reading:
8 h 46 min
